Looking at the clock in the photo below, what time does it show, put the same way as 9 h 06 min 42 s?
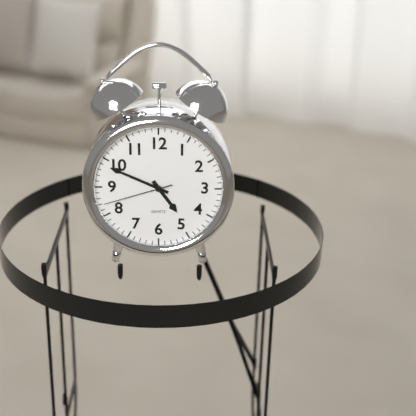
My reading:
4 h 49 min 42 s
